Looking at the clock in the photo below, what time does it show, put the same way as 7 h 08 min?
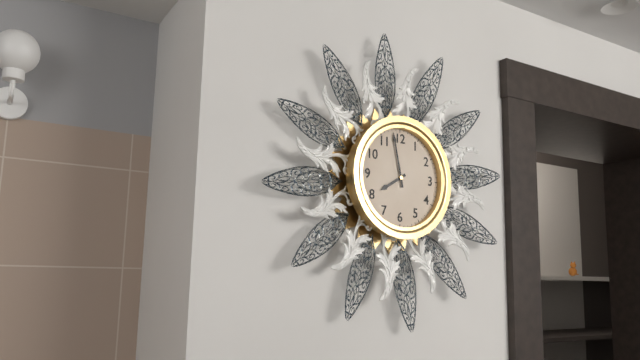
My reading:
7 h 58 min
